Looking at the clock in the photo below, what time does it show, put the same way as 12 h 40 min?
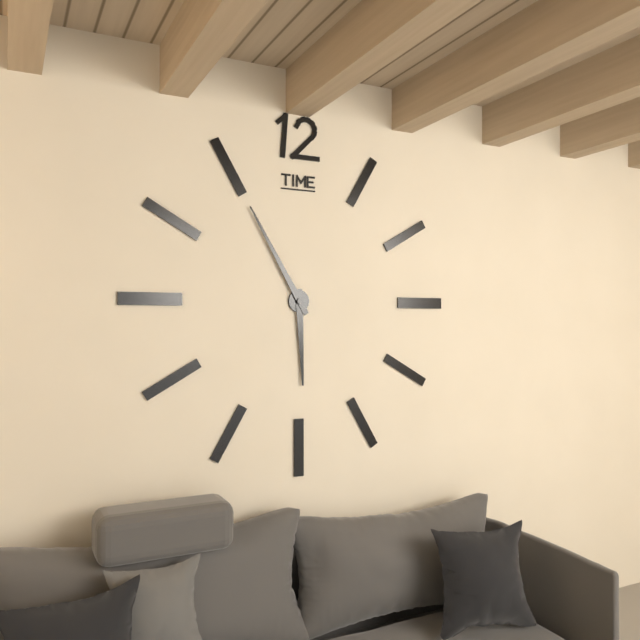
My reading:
5 h 55 min
